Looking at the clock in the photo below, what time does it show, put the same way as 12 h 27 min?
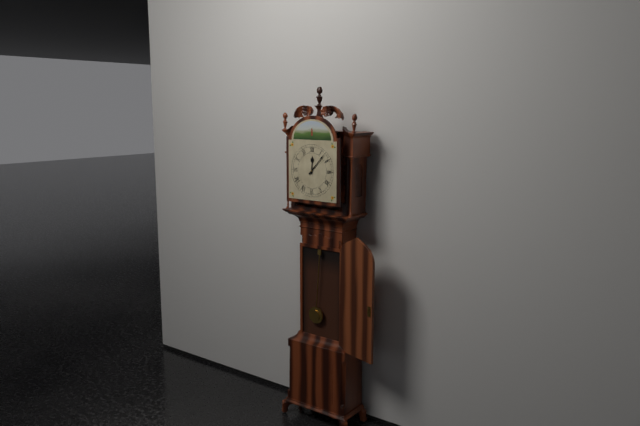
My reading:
12 h 07 min
